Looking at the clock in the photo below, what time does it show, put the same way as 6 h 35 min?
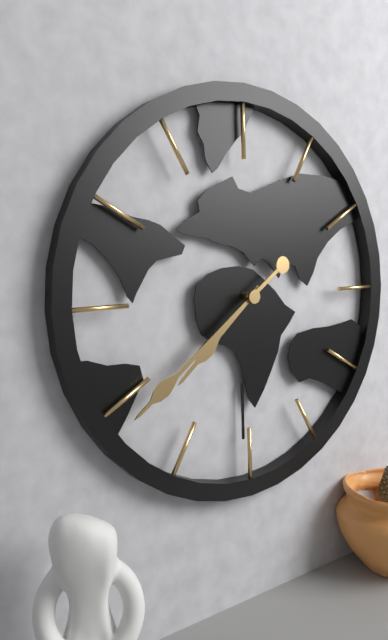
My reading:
7 h 39 min
